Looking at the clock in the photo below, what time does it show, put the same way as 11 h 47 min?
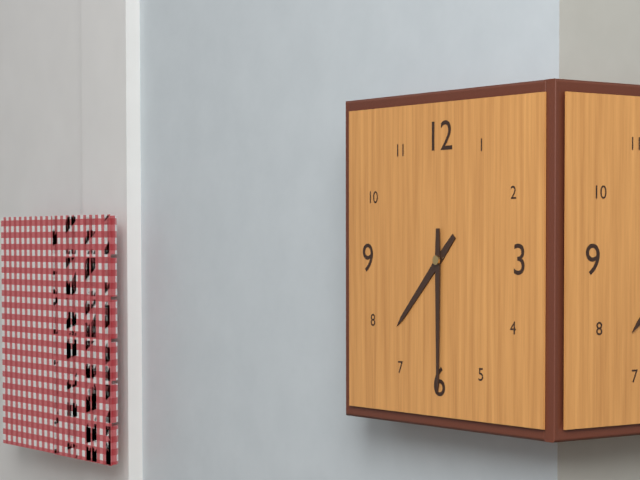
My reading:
7 h 30 min
